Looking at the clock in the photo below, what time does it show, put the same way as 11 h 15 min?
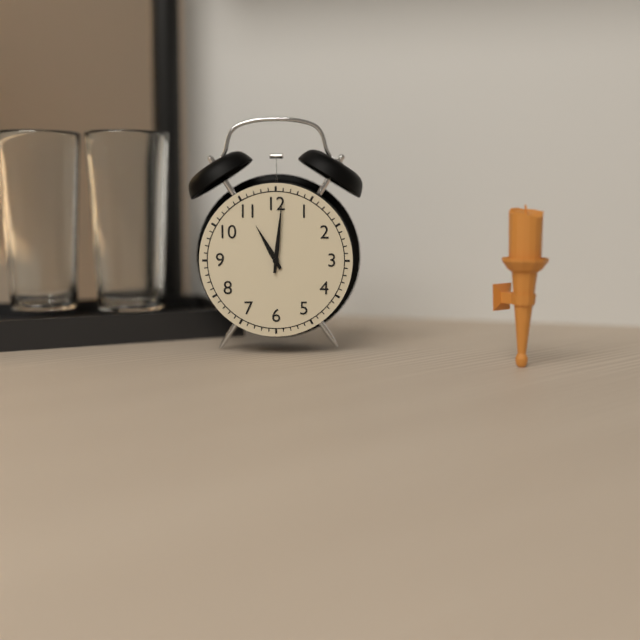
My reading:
11 h 01 min
